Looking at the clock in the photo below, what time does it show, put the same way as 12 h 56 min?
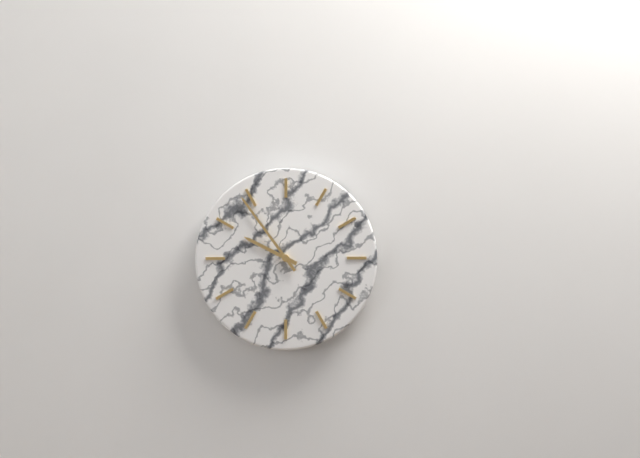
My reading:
9 h 54 min
